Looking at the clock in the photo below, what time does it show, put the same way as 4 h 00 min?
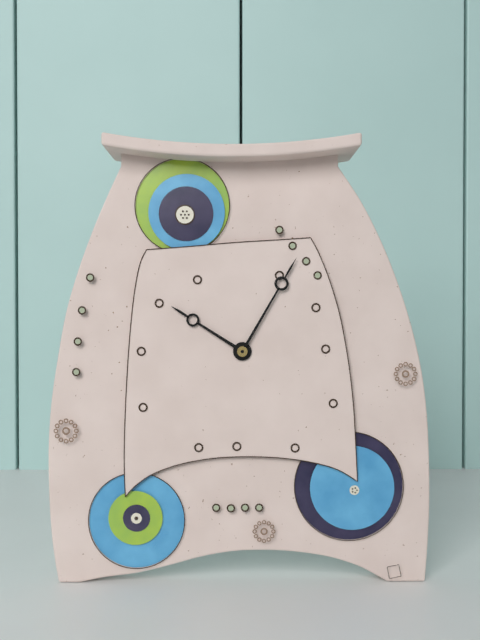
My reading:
10 h 05 min
